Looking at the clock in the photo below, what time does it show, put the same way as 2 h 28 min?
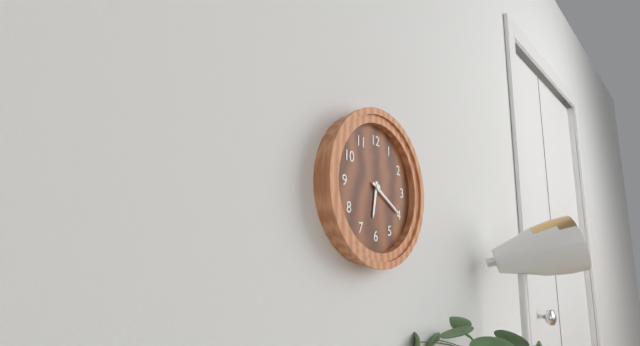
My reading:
6 h 20 min
